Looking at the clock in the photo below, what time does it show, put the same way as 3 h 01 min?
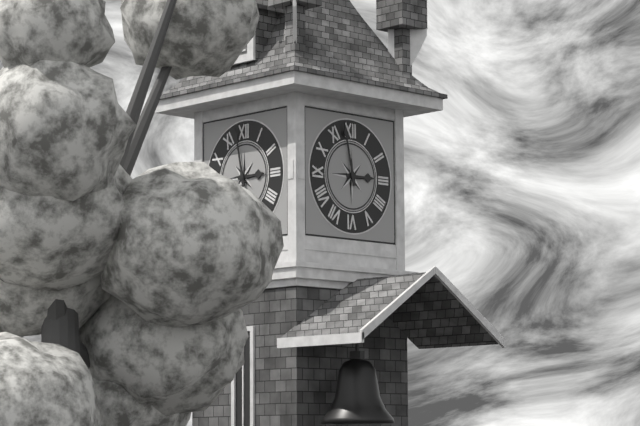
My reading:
2 h 58 min
